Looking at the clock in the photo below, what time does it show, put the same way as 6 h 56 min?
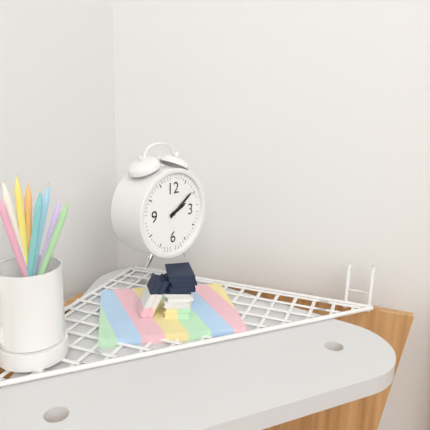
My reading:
2 h 09 min
